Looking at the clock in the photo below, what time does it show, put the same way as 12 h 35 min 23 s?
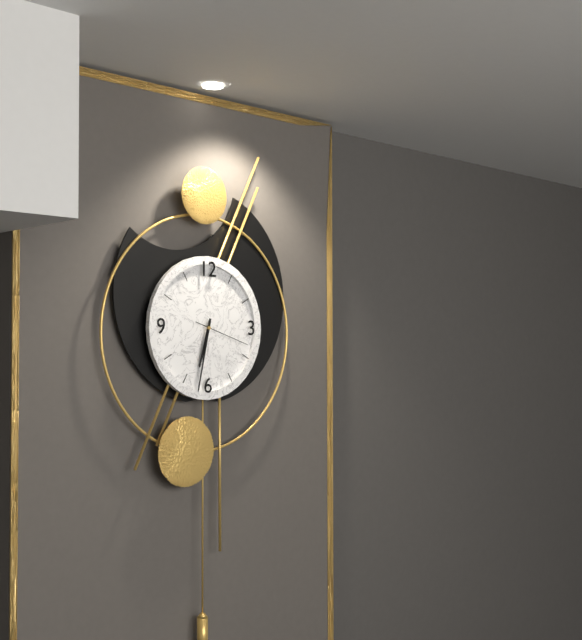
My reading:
6 h 32 min 18 s
